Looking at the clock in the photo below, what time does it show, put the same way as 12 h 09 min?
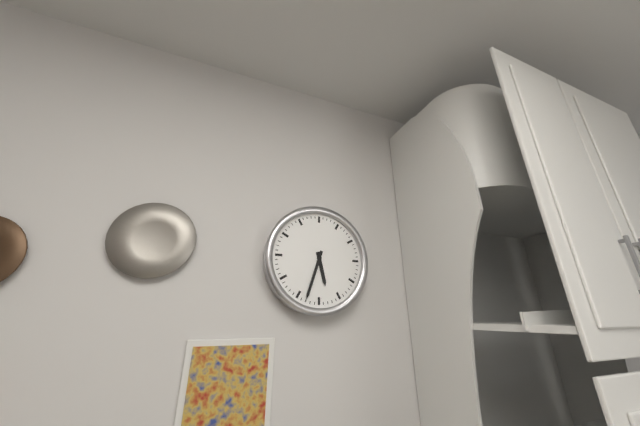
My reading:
5 h 33 min
